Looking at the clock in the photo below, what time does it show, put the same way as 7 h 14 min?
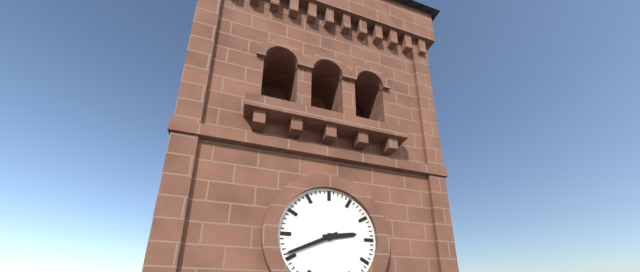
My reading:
2 h 41 min
